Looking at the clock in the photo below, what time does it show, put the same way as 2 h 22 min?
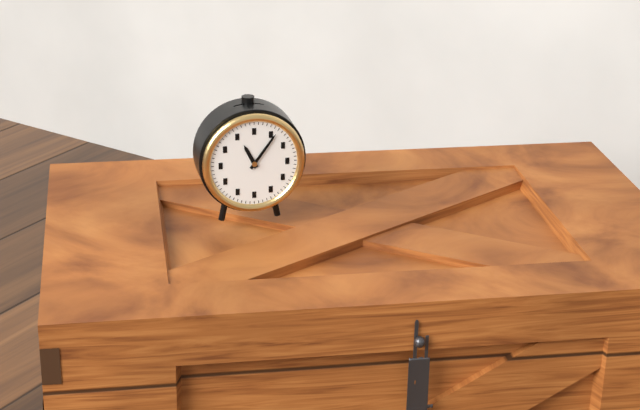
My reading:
11 h 06 min
